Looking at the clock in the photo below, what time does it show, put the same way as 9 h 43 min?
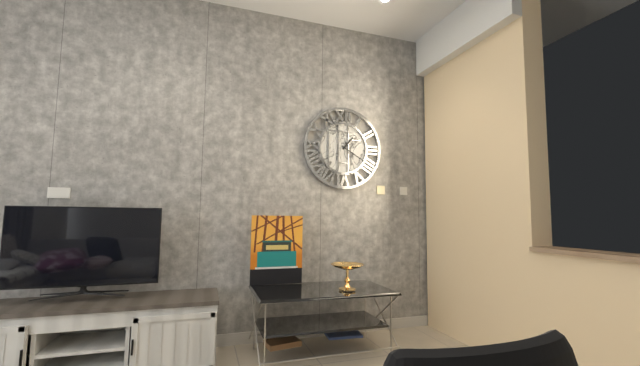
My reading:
1 h 20 min
